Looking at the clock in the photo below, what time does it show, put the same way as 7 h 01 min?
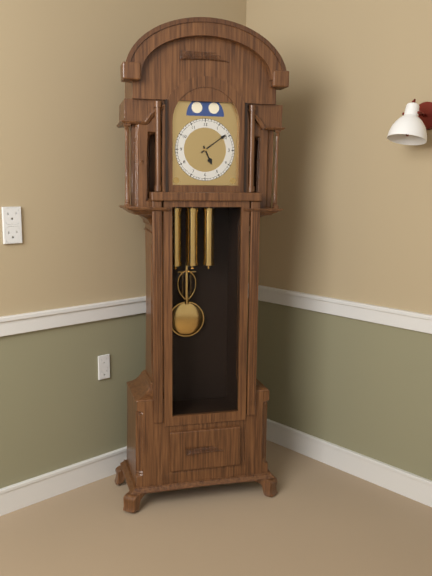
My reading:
5 h 09 min
